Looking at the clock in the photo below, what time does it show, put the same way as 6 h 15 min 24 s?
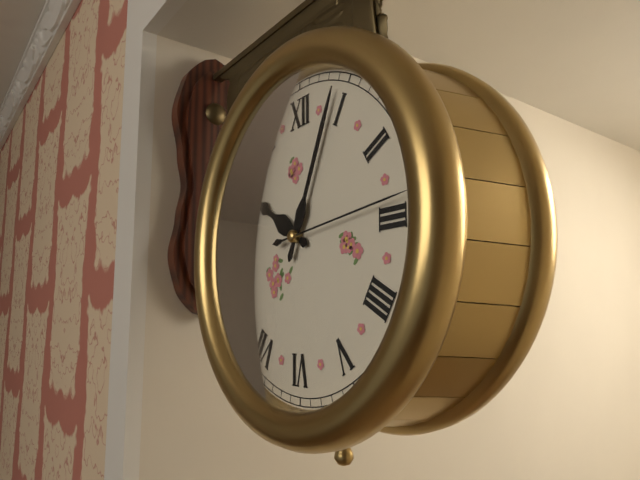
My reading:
10 h 04 min 14 s
